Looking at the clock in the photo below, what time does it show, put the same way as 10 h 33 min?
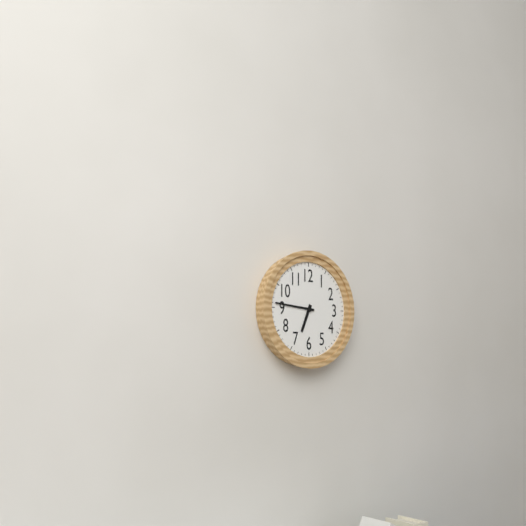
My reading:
6 h 46 min
